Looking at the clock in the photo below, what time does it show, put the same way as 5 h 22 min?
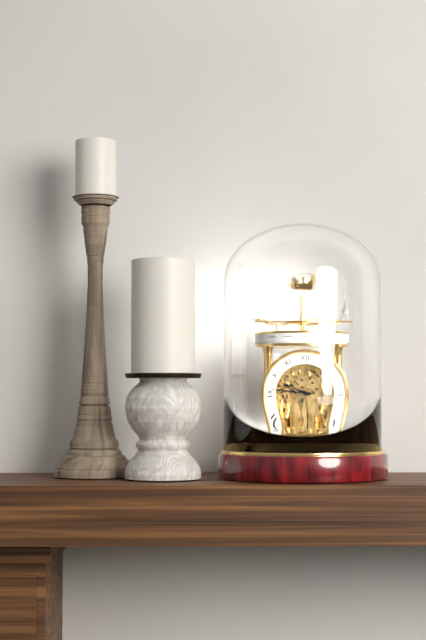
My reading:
9 h 46 min
